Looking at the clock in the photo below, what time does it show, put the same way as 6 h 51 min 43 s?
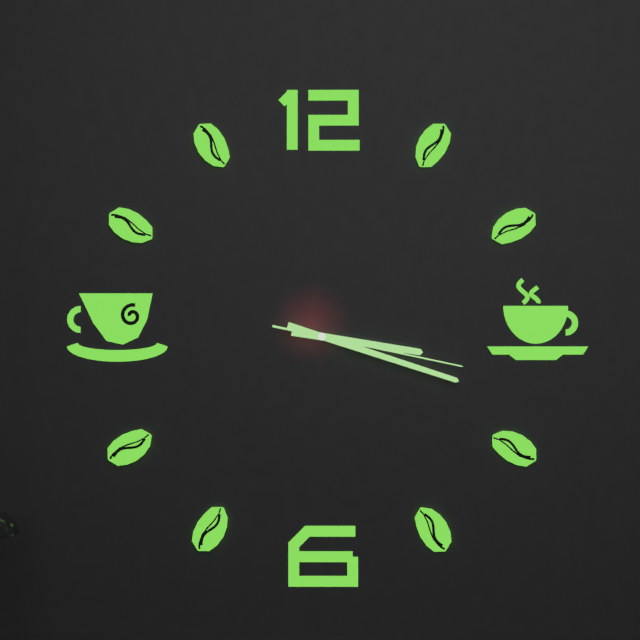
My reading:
3 h 18 min 17 s
